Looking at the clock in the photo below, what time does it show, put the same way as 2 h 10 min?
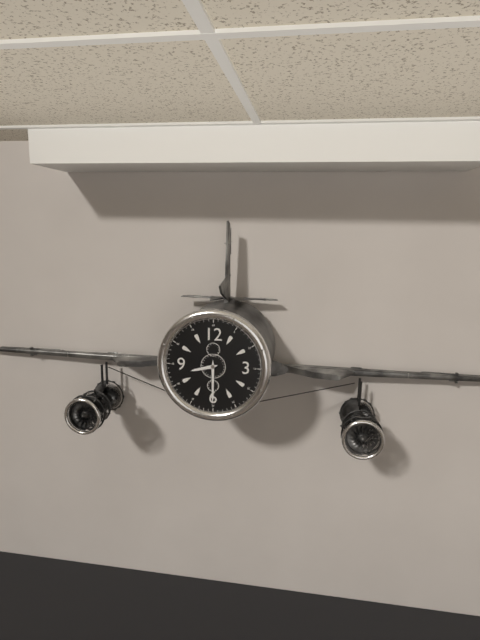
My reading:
8 h 30 min
